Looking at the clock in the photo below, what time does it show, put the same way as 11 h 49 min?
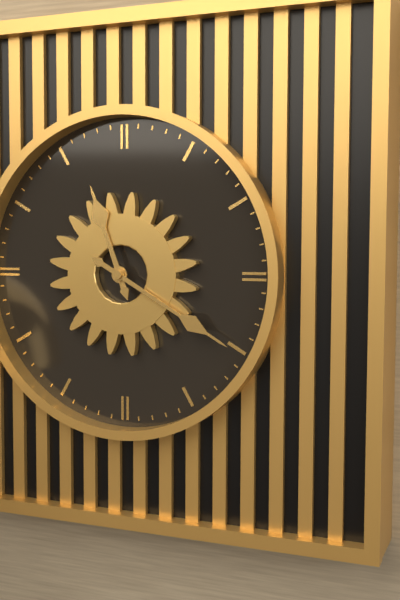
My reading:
11 h 20 min
